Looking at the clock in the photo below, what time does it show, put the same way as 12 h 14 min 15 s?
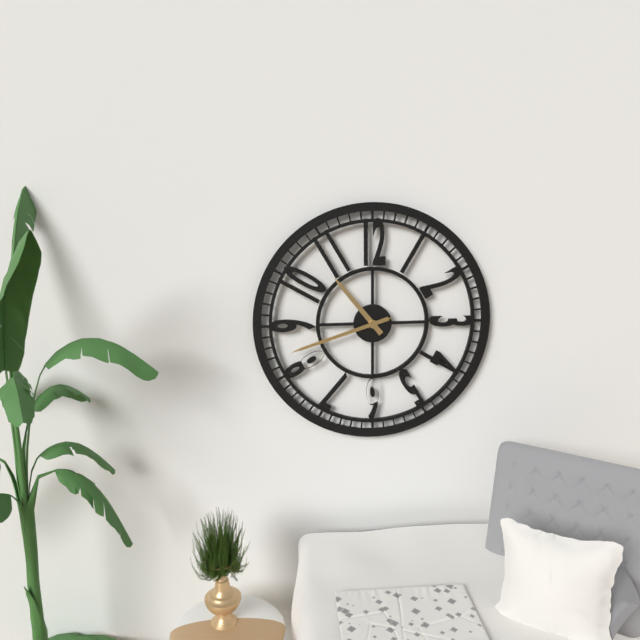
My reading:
10 h 42 min 42 s
